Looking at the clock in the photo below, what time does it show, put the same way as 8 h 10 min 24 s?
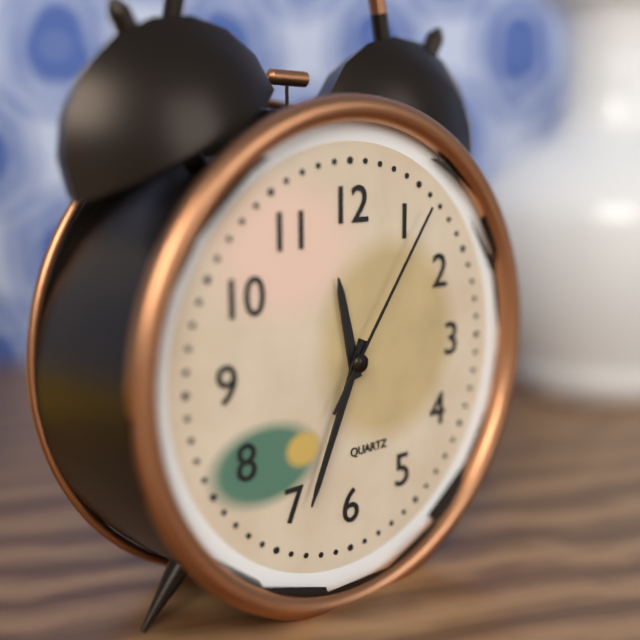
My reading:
11 h 34 min 06 s
